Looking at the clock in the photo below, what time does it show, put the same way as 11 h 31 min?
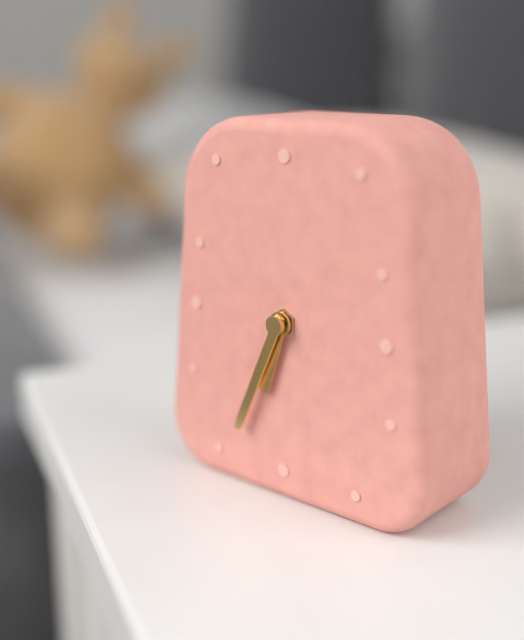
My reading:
6 h 34 min
